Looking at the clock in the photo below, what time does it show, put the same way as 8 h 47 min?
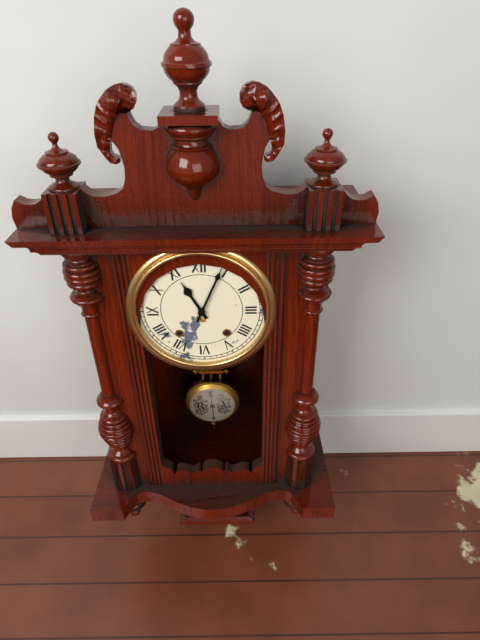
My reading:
11 h 04 min
